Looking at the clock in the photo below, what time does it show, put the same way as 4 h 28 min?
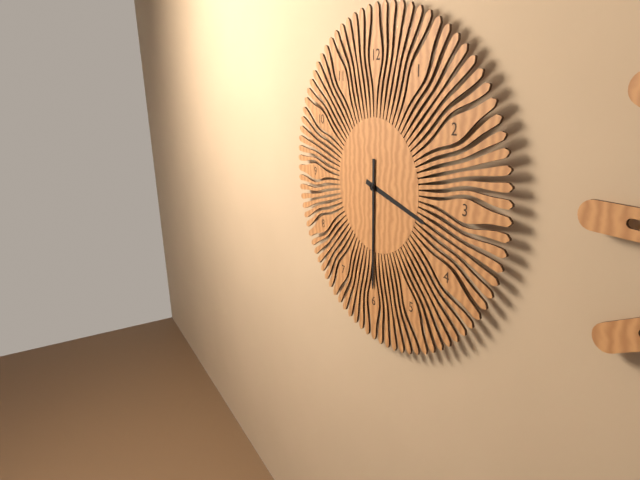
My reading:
3 h 30 min
